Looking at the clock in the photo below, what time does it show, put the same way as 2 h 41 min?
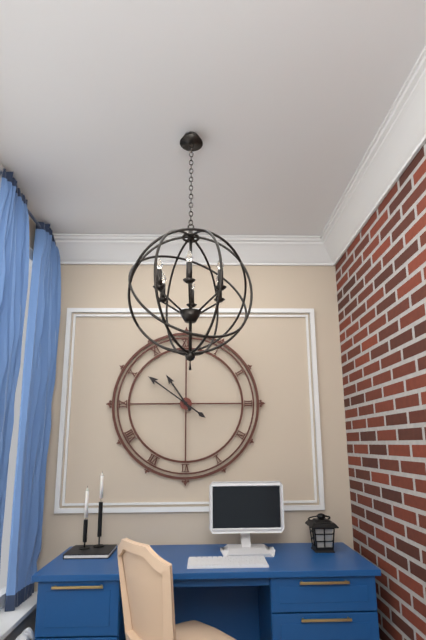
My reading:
10 h 51 min
